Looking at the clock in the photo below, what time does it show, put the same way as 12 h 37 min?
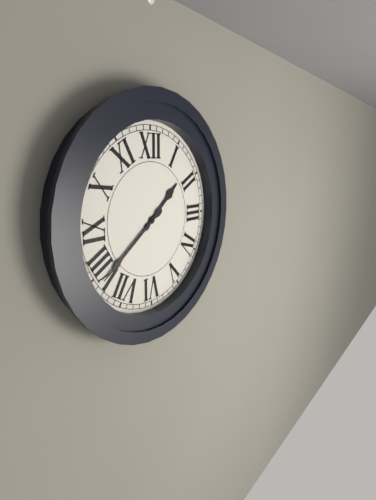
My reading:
1 h 39 min
